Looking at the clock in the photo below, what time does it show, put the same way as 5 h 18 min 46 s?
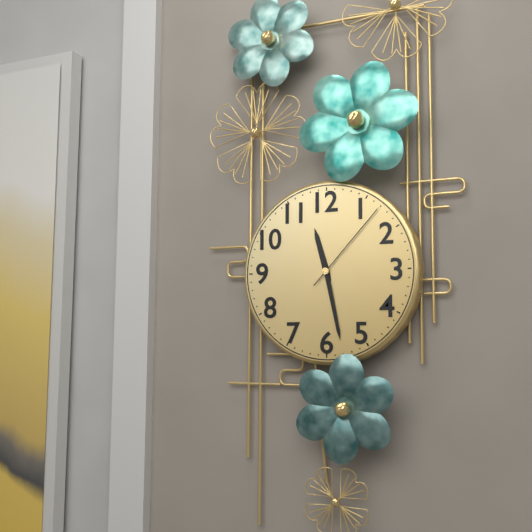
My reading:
11 h 28 min 07 s
